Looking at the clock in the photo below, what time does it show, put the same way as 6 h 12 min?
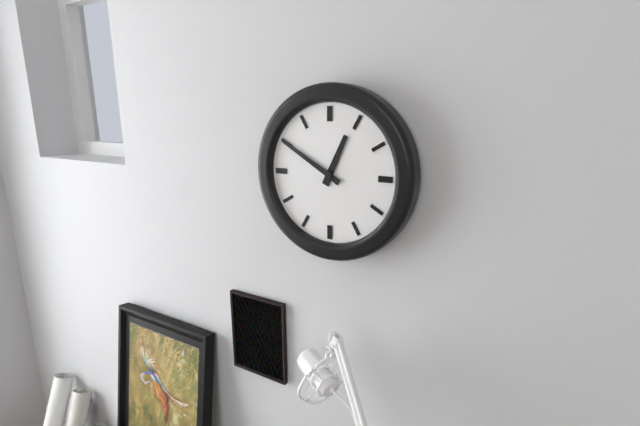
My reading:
12 h 50 min
